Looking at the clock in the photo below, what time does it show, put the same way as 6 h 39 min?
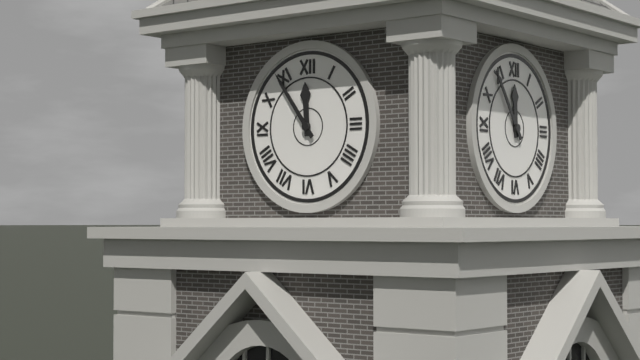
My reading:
11 h 54 min
